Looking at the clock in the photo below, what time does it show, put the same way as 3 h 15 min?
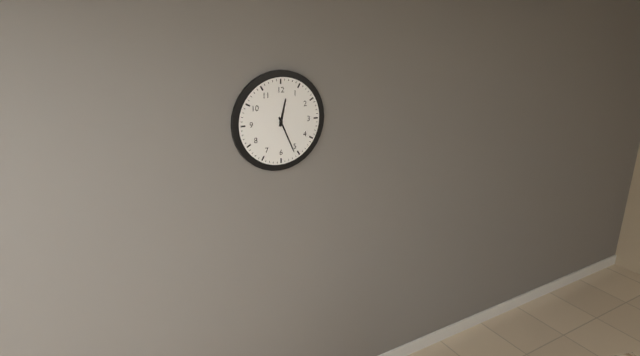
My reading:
12 h 26 min
